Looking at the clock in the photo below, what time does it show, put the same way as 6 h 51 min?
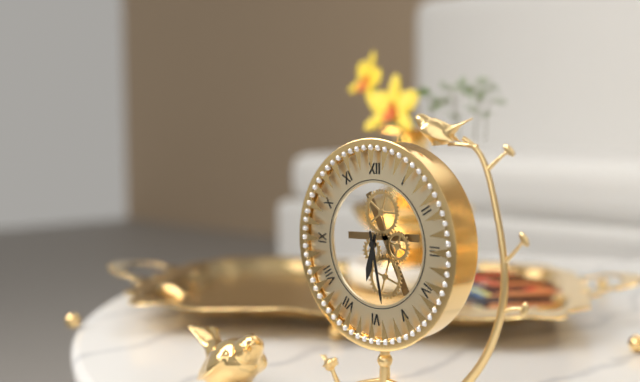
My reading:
6 h 28 min
